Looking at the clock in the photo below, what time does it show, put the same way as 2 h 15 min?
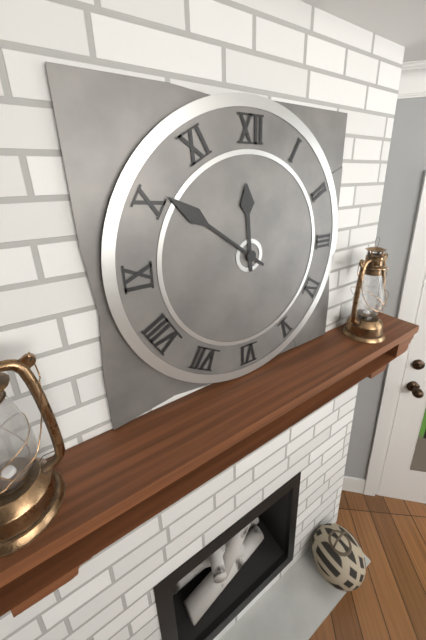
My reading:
11 h 51 min
